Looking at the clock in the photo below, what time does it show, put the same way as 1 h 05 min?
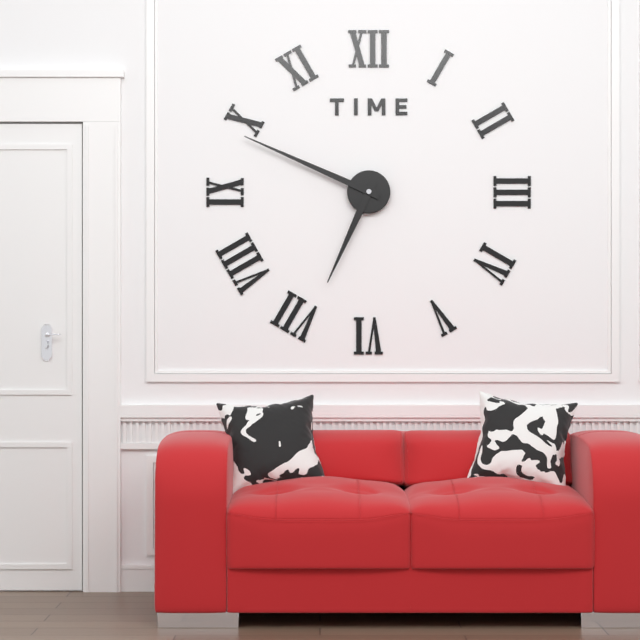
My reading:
6 h 49 min
